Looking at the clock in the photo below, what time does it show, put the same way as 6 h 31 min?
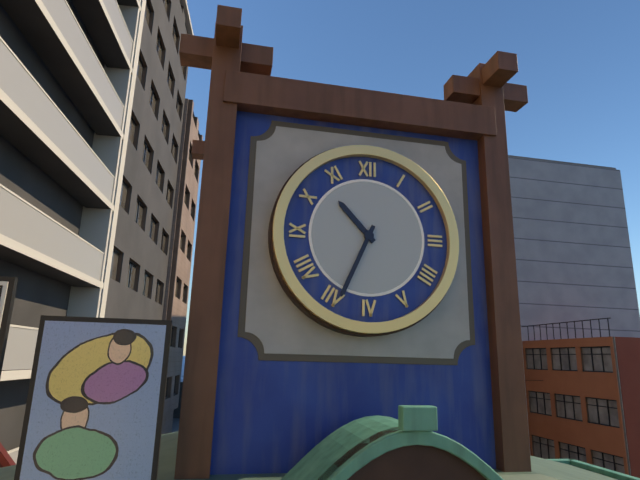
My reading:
10 h 34 min
